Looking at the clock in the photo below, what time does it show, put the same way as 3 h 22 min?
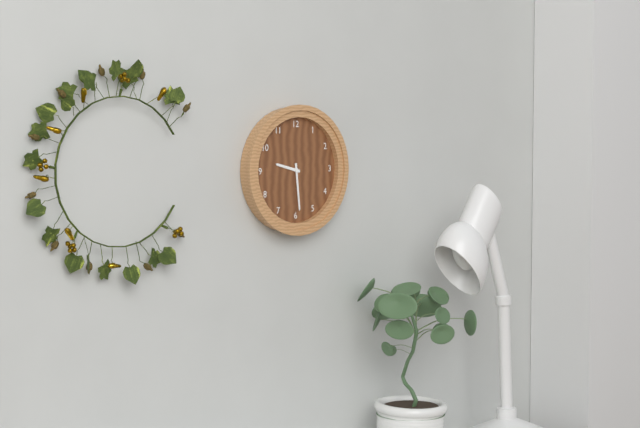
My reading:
9 h 29 min
